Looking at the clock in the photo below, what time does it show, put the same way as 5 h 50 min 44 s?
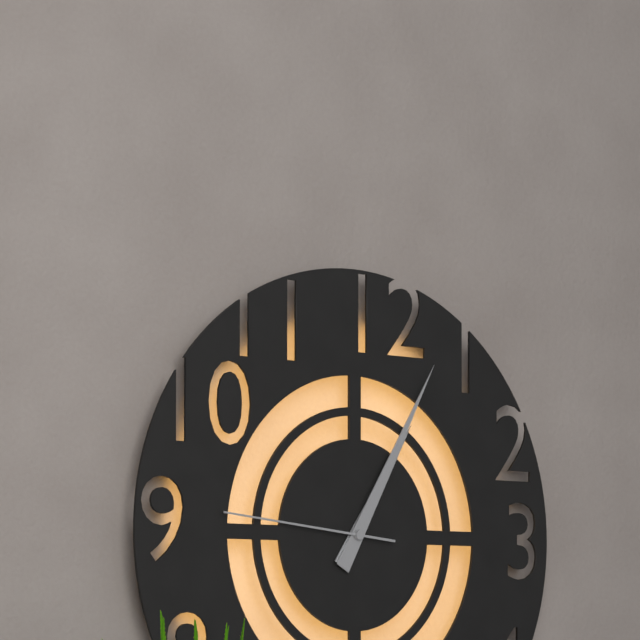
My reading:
1 h 05 min 46 s
